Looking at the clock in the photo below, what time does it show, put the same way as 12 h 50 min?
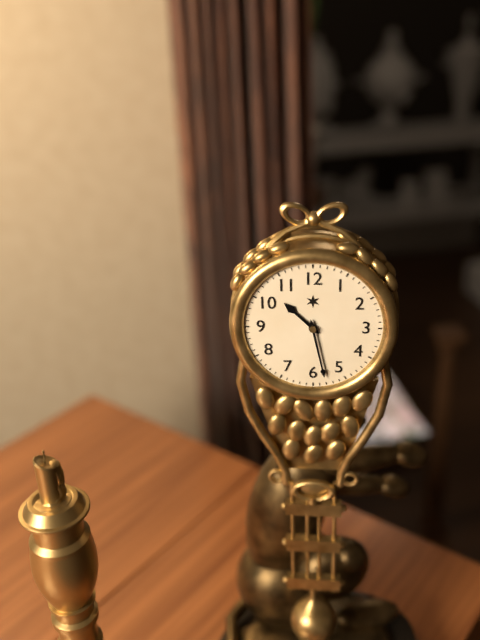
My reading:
10 h 28 min
